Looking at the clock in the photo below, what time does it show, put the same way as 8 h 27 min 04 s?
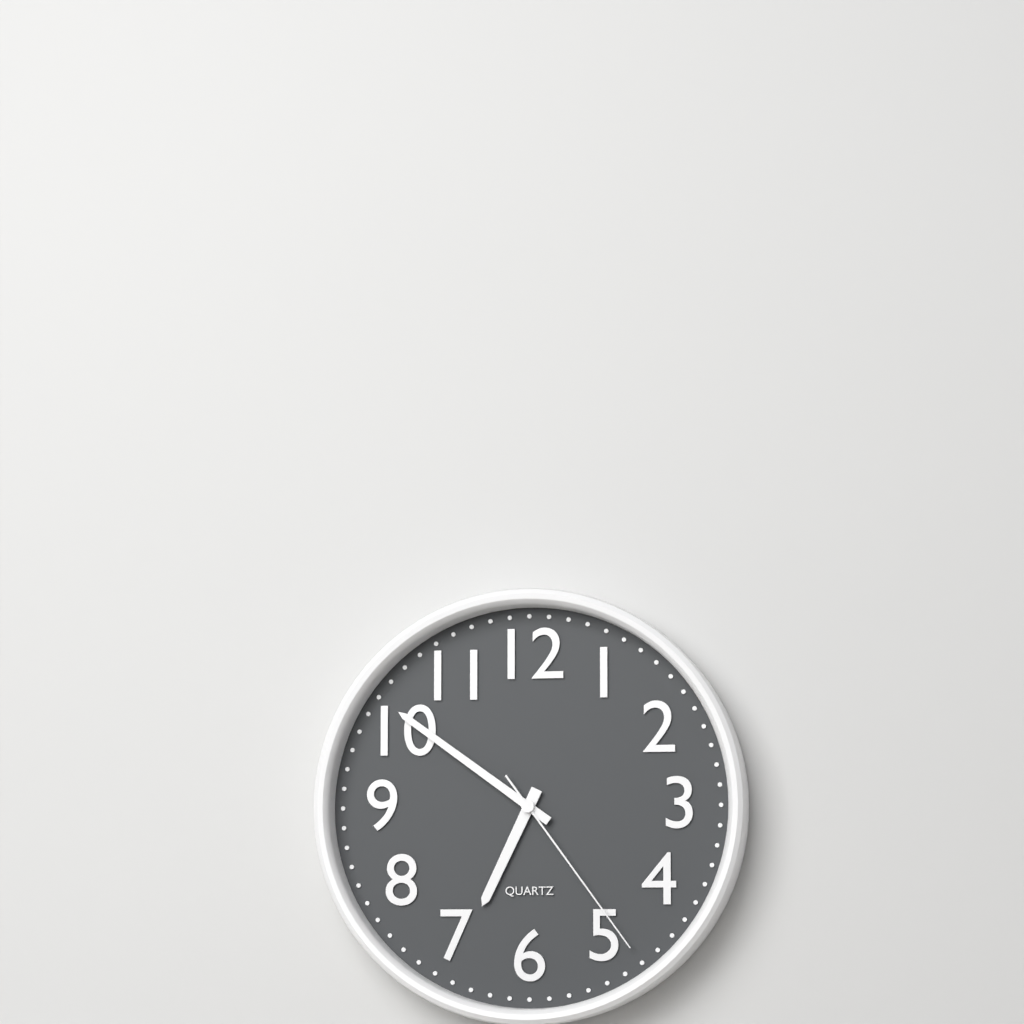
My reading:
6 h 51 min 24 s
